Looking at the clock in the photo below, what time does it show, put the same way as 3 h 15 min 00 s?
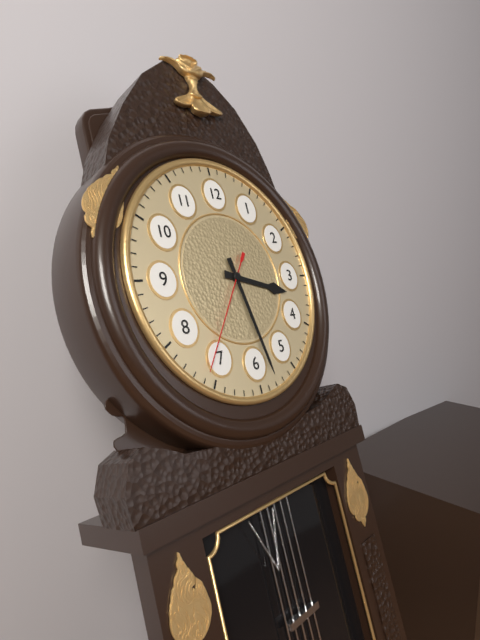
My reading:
3 h 28 min 36 s
